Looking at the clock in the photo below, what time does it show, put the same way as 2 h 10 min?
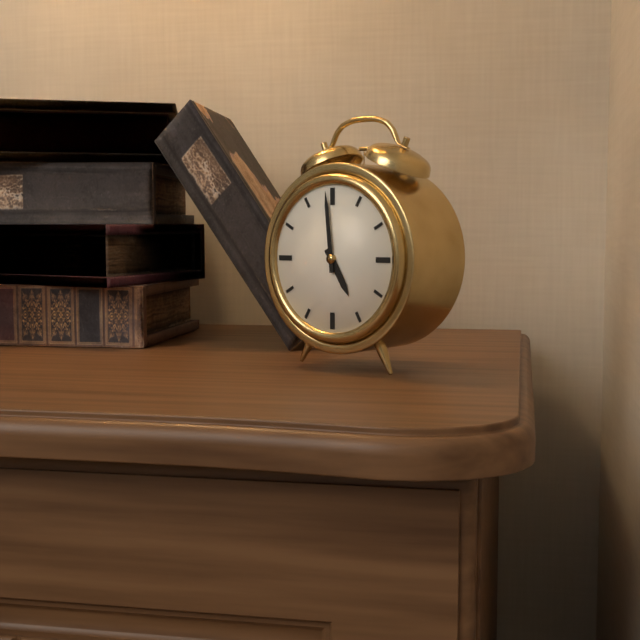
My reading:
4 h 59 min
